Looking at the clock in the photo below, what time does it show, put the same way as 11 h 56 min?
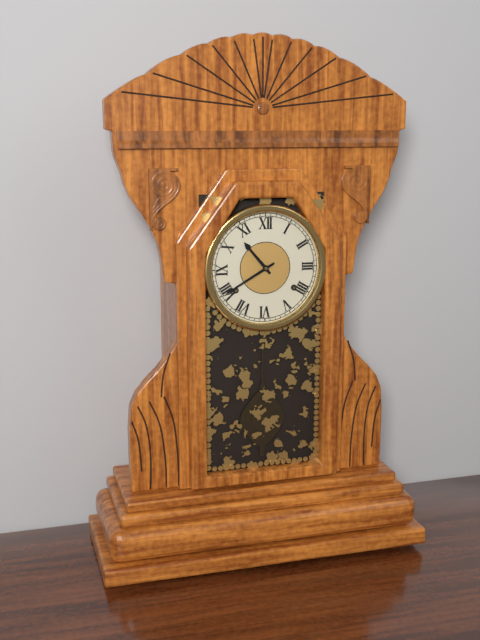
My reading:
10 h 40 min
